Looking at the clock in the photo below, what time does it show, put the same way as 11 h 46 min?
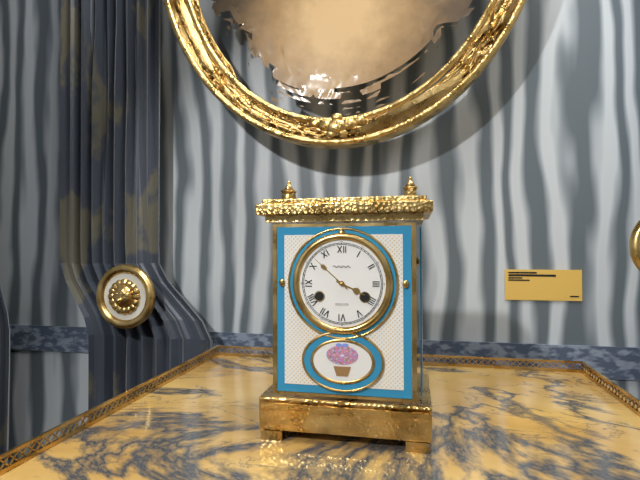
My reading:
3 h 52 min
